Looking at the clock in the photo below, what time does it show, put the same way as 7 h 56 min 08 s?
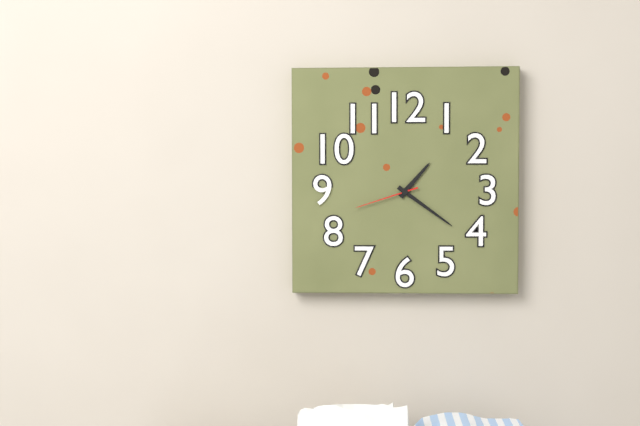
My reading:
1 h 21 min 42 s
